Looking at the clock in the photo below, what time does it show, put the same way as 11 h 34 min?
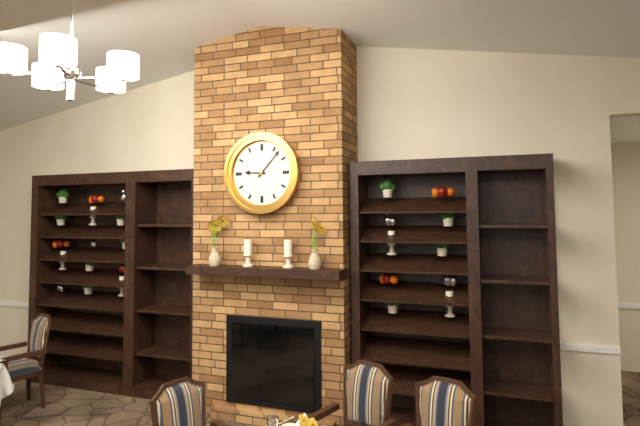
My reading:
9 h 07 min
